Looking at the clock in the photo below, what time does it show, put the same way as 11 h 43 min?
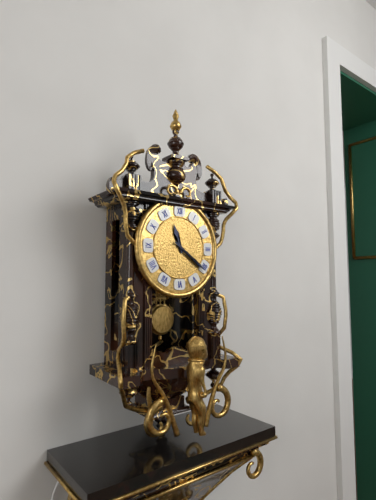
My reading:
11 h 21 min
